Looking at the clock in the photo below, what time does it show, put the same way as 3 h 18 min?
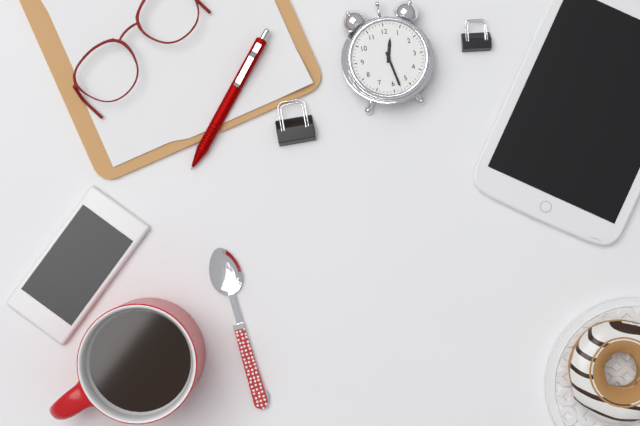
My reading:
12 h 28 min
